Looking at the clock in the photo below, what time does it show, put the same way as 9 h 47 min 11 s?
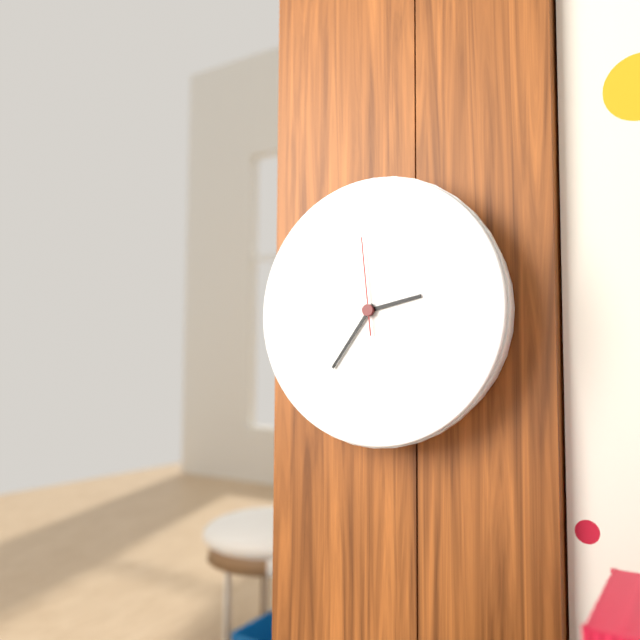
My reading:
2 h 36 min 59 s
